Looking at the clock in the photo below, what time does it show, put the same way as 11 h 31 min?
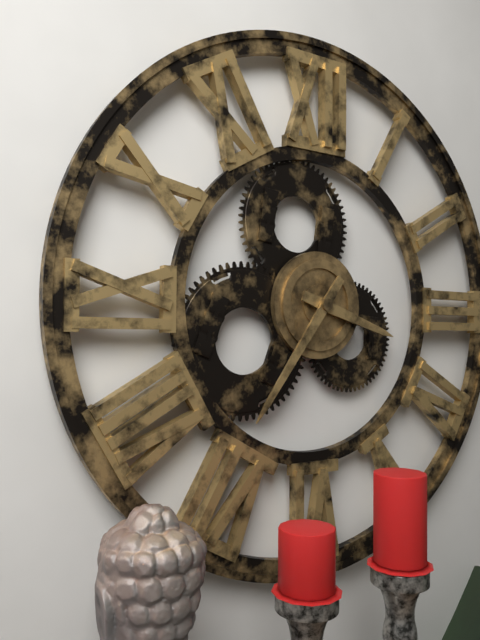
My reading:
3 h 36 min
